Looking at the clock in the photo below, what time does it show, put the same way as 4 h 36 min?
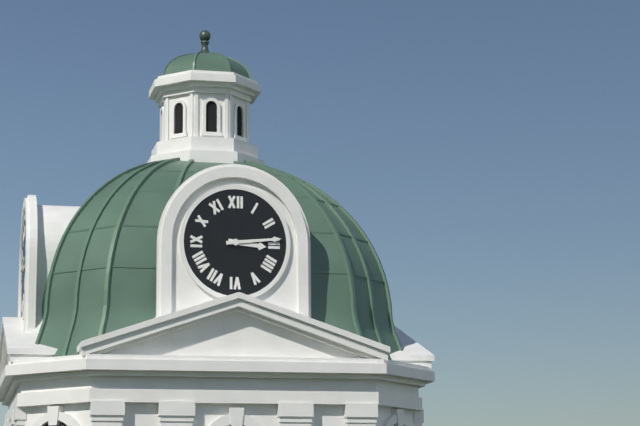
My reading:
3 h 14 min
